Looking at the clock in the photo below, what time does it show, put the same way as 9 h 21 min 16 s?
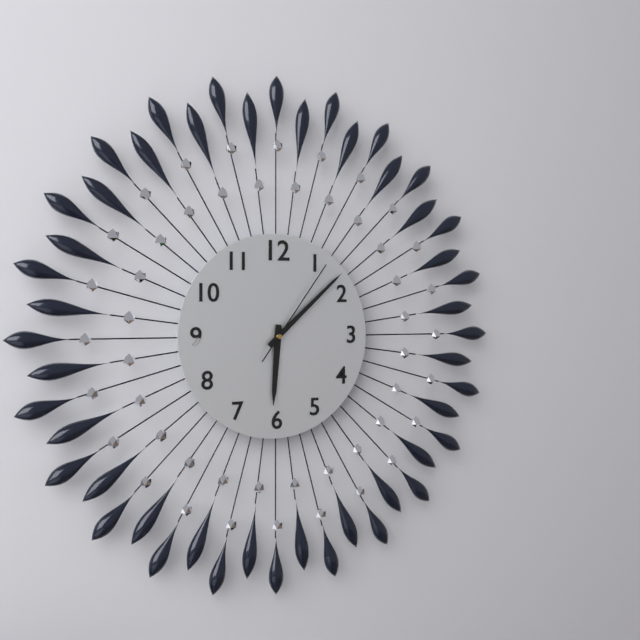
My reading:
6 h 08 min 06 s
